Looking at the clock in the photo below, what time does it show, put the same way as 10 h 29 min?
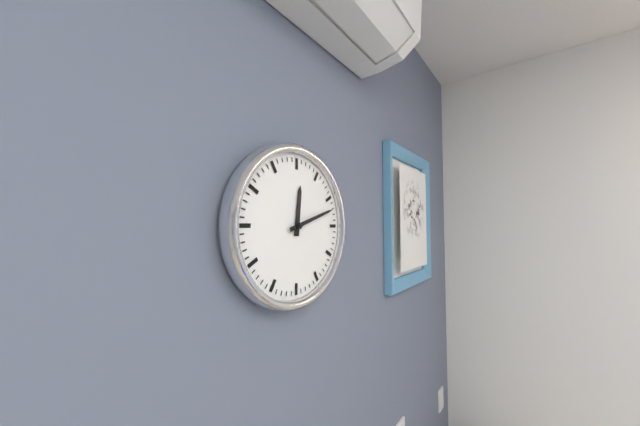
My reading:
12 h 12 min
